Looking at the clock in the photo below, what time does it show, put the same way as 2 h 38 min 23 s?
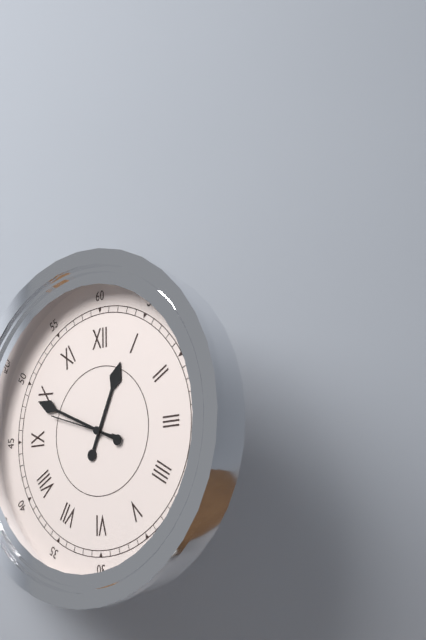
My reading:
12 h 49 min 48 s
